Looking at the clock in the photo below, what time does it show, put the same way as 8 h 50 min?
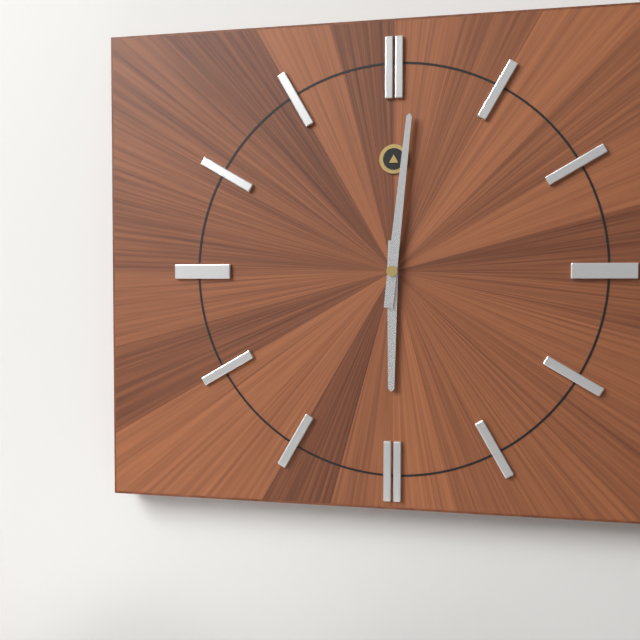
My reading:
6 h 01 min
